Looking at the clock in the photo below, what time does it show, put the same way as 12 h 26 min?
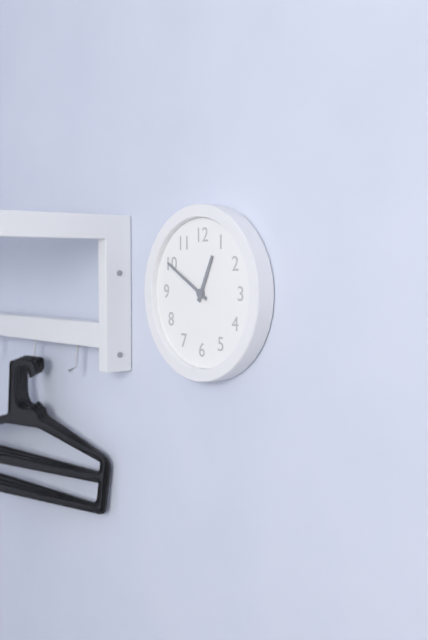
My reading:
12 h 50 min
